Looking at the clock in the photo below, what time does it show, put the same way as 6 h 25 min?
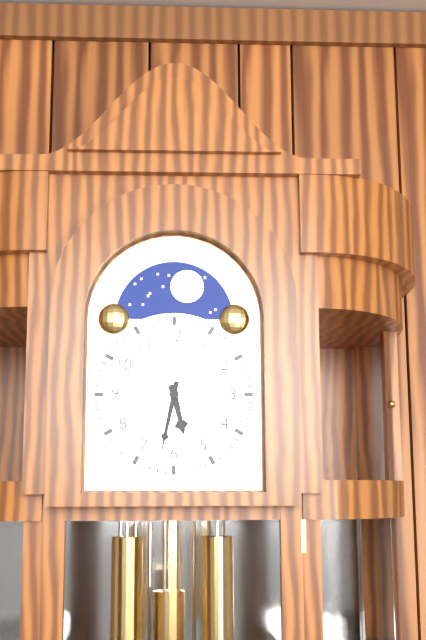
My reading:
5 h 32 min
